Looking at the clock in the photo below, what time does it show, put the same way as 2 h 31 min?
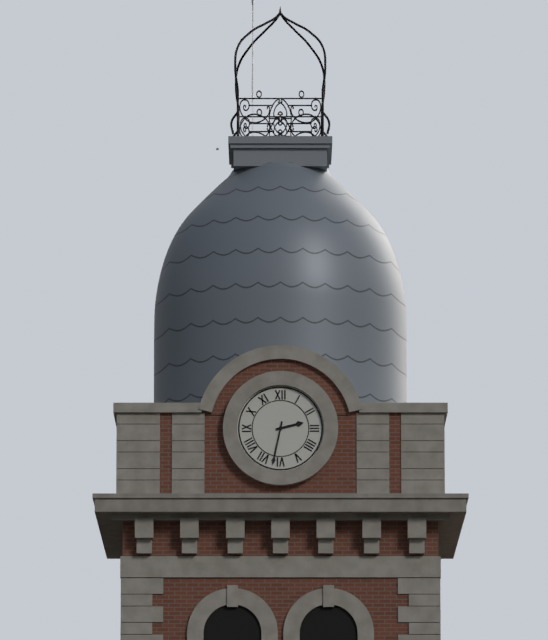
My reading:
2 h 32 min
